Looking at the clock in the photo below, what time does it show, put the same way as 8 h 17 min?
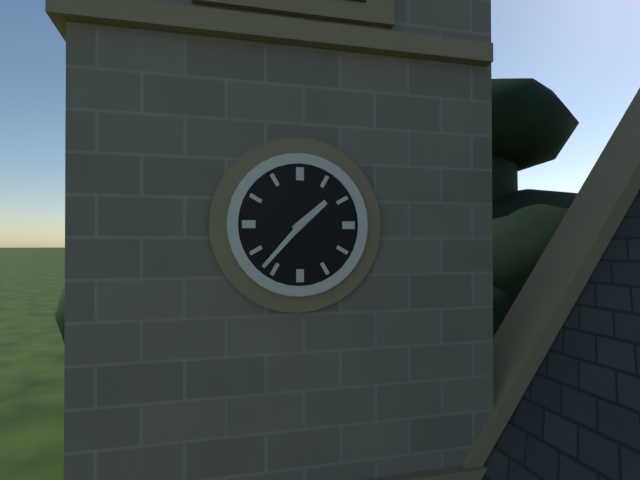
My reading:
1 h 37 min
